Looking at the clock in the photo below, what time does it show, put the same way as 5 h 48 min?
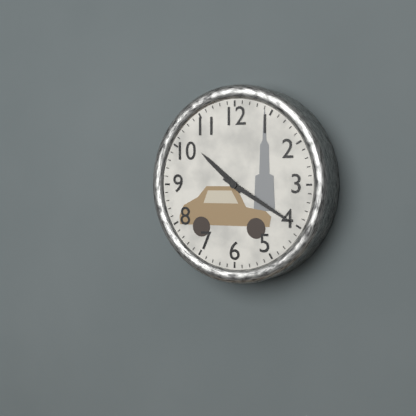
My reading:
10 h 20 min
